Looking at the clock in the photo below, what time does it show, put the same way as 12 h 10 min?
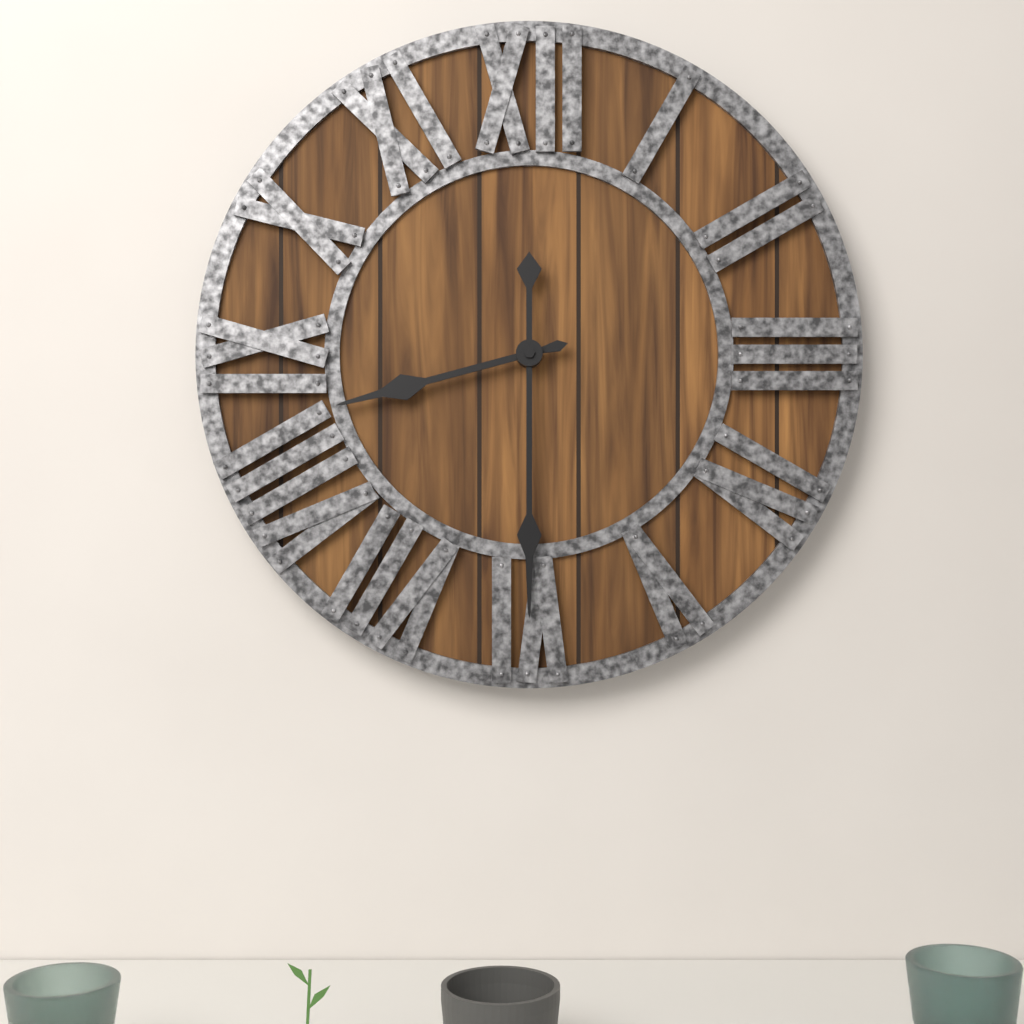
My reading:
8 h 30 min
